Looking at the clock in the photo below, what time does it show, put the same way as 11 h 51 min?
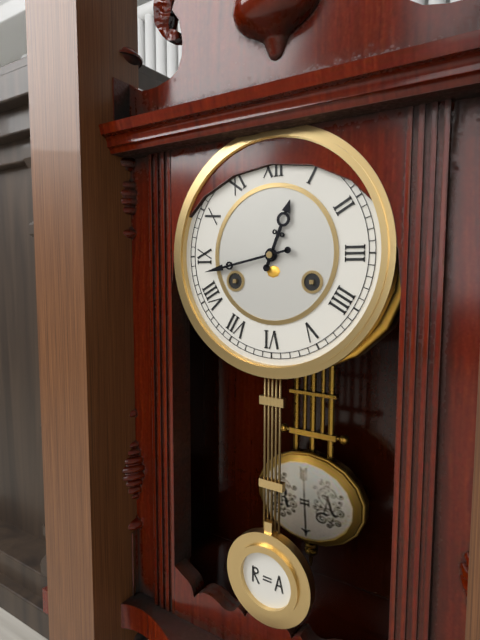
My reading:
12 h 43 min
